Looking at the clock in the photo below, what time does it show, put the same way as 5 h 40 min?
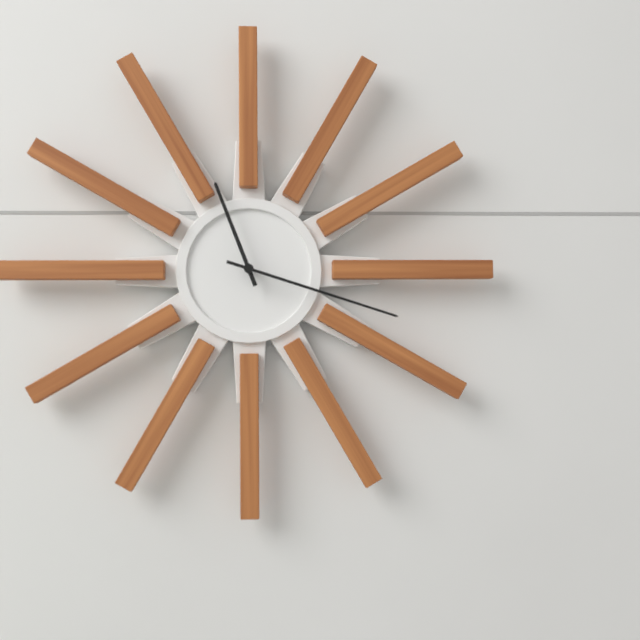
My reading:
11 h 18 min
